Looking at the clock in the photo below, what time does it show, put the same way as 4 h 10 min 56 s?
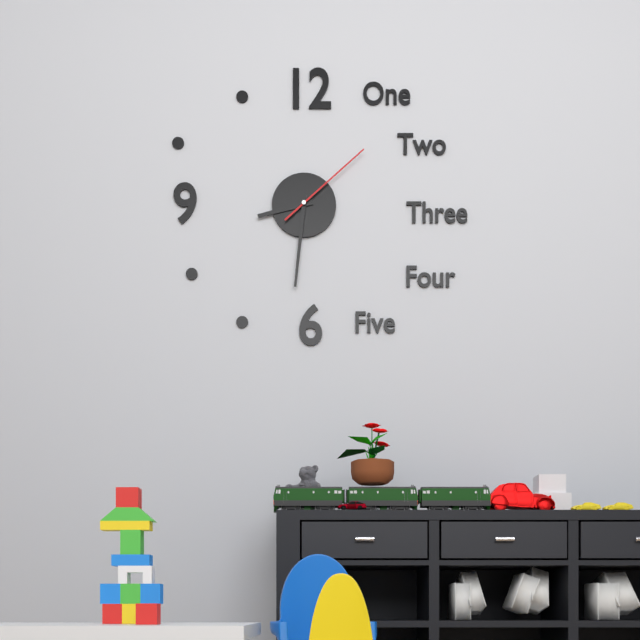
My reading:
8 h 31 min 08 s
